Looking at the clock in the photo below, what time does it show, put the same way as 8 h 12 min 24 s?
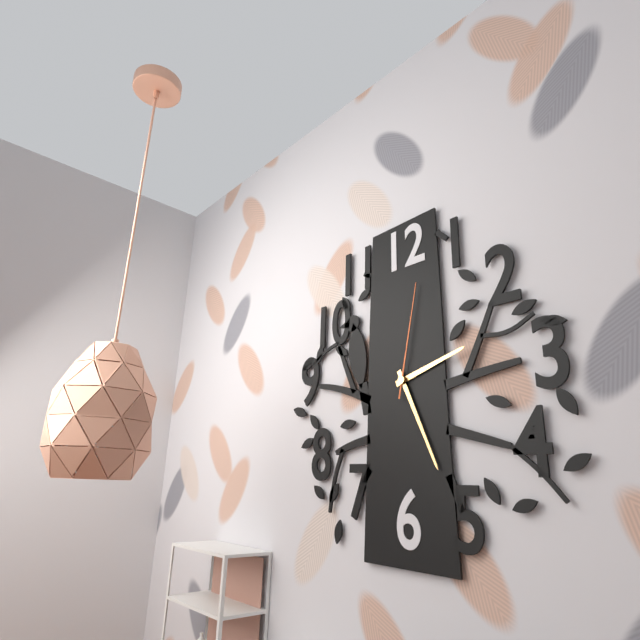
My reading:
2 h 26 min 02 s
